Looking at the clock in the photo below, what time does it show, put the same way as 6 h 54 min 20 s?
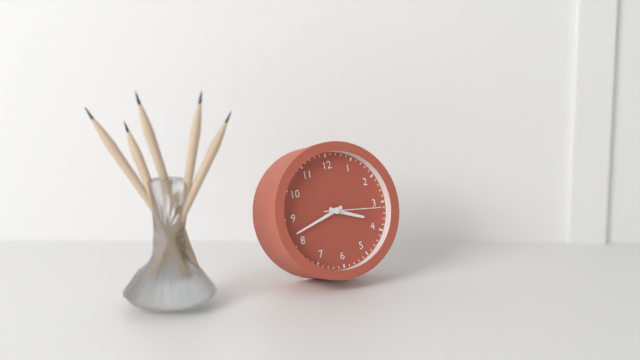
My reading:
3 h 42 min 16 s
